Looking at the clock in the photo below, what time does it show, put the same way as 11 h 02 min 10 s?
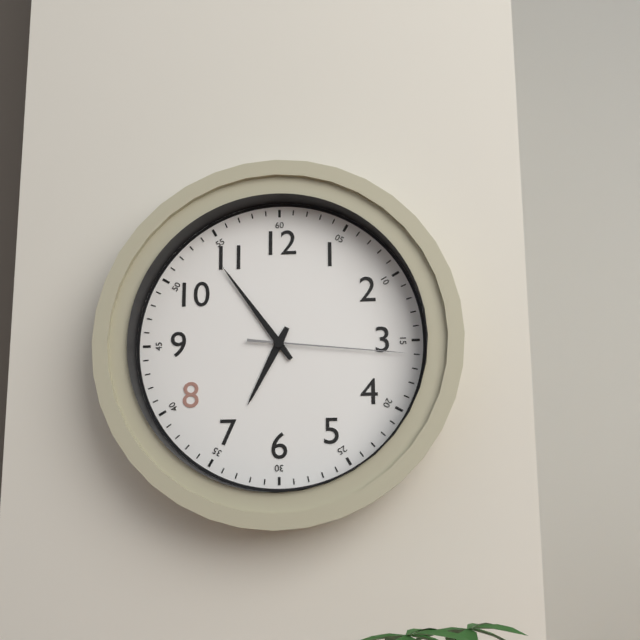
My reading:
6 h 54 min 16 s
